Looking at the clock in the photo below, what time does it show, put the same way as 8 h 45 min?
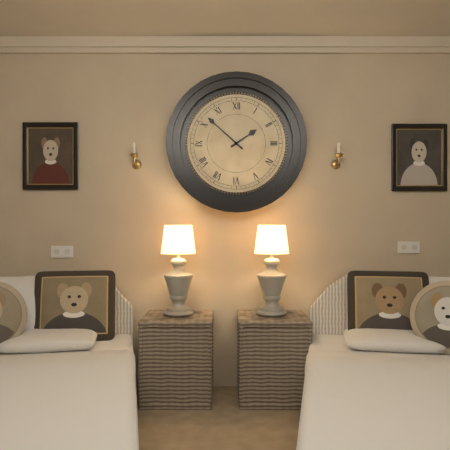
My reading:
1 h 52 min
